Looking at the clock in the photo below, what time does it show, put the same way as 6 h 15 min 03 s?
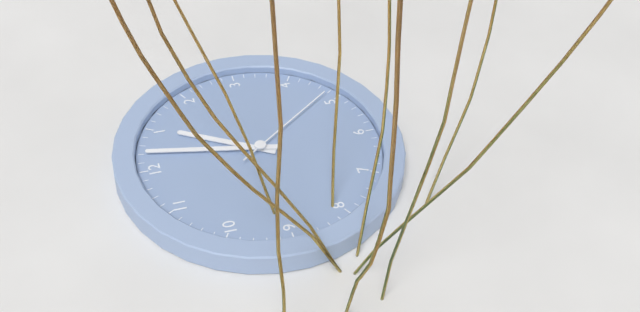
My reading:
1 h 02 min 24 s
